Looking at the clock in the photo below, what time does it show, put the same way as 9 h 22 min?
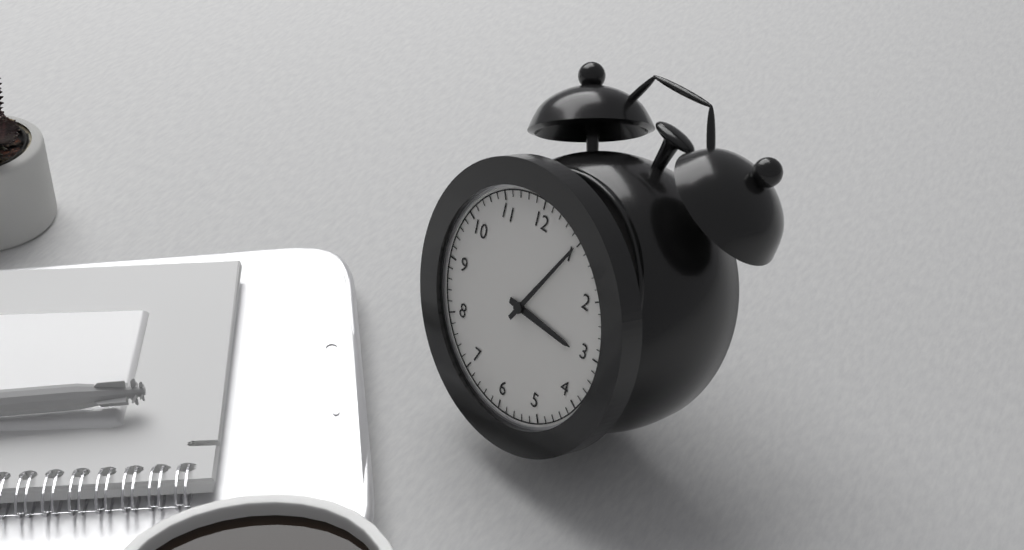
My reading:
3 h 05 min
